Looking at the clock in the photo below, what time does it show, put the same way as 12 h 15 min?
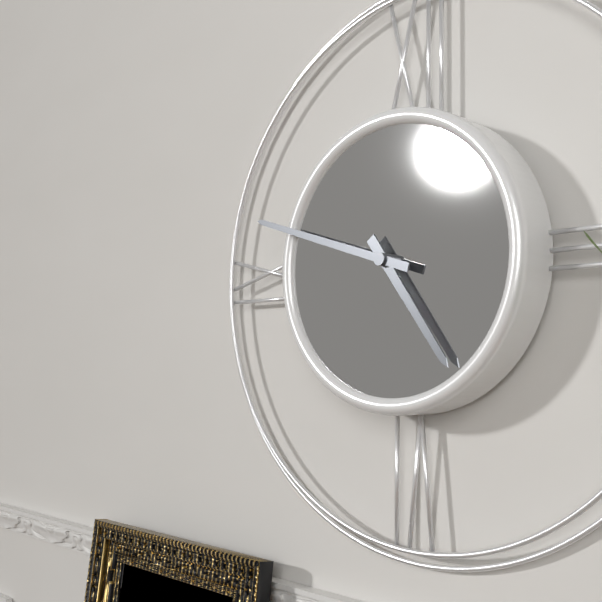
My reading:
4 h 48 min
